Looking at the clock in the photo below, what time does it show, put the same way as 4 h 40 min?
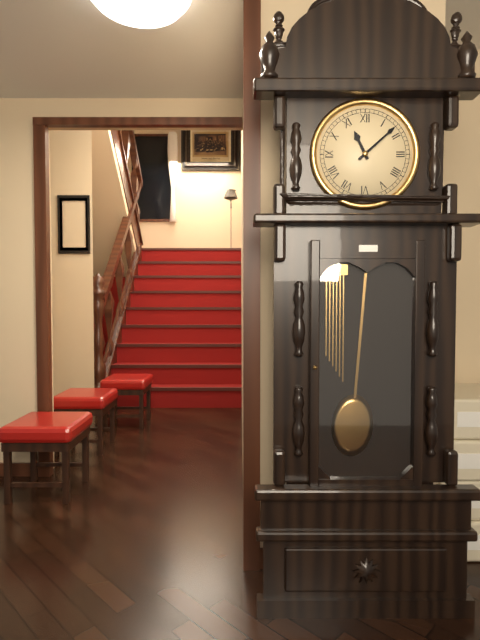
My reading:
11 h 08 min
